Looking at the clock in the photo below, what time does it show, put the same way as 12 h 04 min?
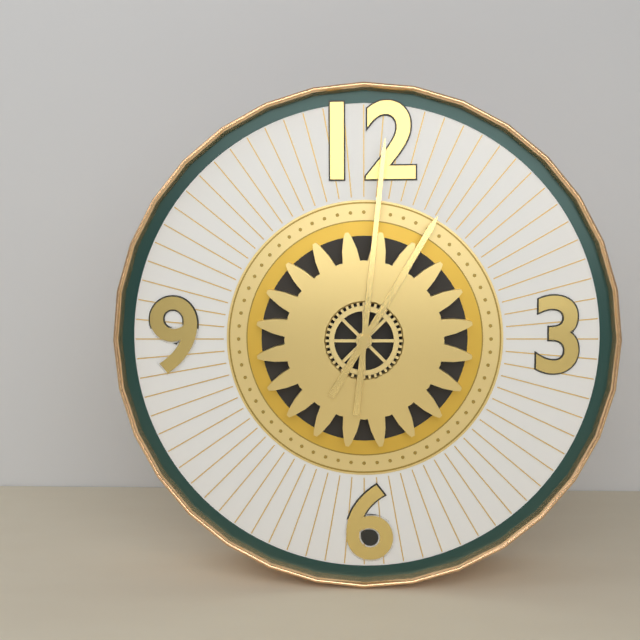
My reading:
1 h 01 min
